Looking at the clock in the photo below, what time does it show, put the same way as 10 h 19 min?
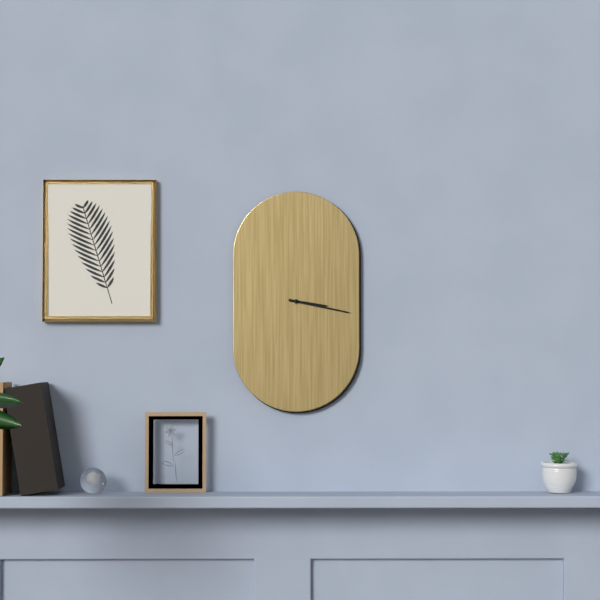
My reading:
3 h 17 min
